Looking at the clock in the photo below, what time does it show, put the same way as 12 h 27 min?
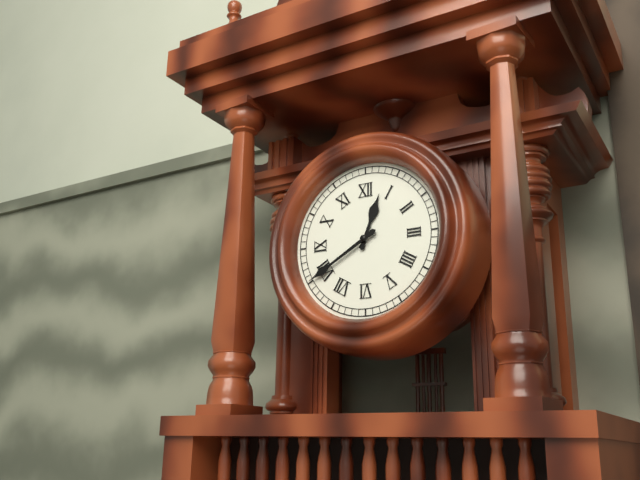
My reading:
12 h 40 min
